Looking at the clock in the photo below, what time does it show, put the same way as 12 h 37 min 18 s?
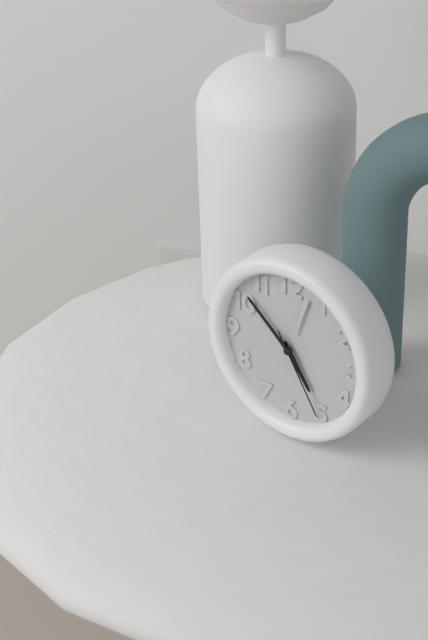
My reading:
4 h 52 min 25 s
